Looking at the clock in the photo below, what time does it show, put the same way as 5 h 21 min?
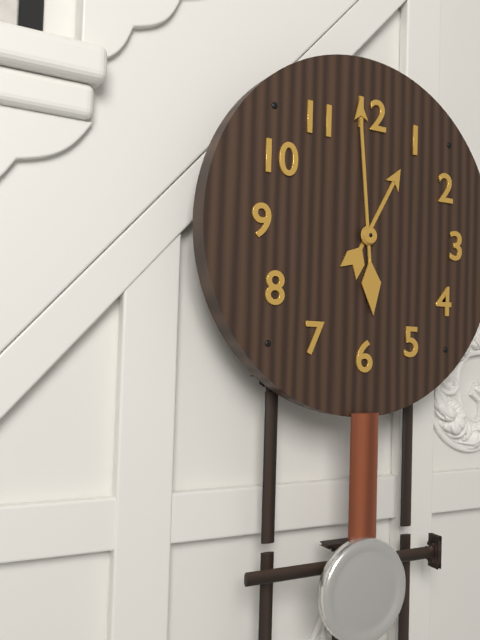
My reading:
12 h 59 min
